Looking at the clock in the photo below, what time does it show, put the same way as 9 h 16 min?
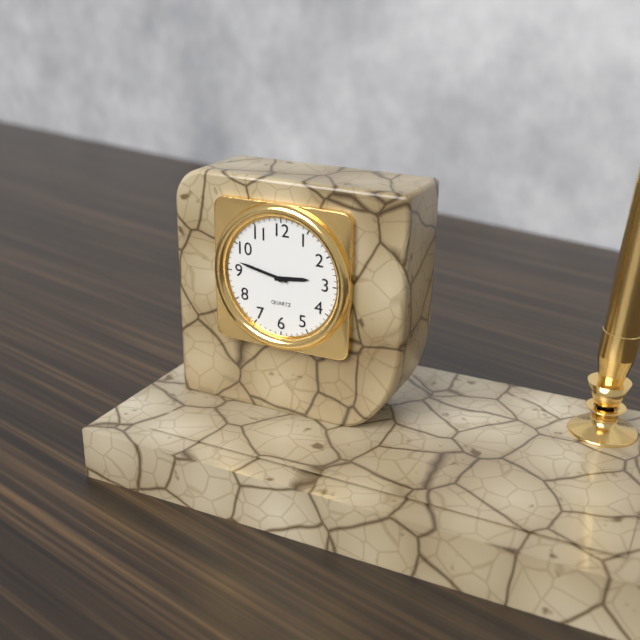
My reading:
2 h 47 min
